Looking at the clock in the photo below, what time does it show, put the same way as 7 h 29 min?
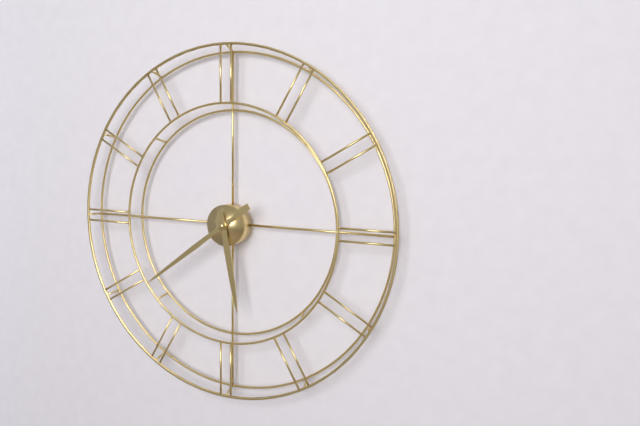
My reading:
5 h 39 min
